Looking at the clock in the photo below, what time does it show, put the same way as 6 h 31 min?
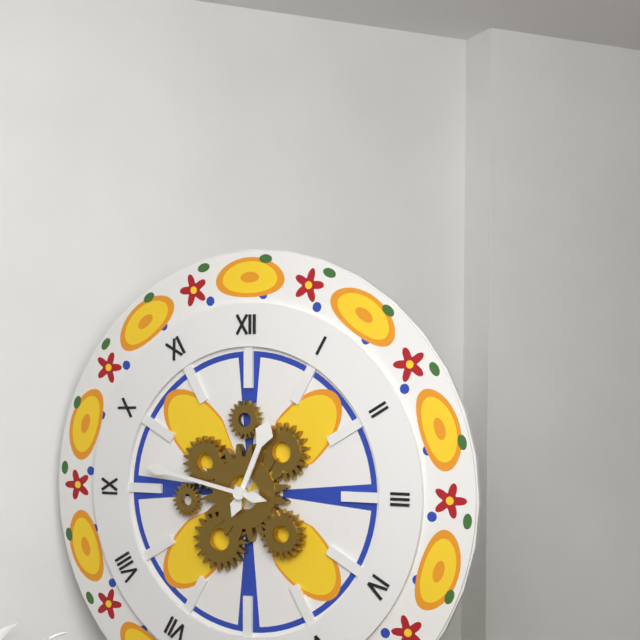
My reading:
12 h 47 min
